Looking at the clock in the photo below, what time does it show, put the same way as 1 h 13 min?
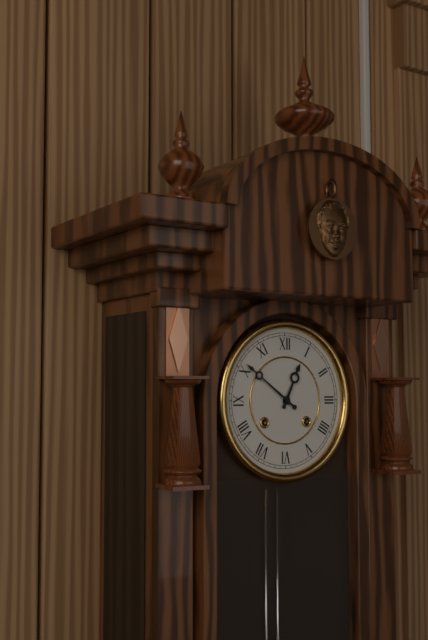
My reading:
12 h 51 min
